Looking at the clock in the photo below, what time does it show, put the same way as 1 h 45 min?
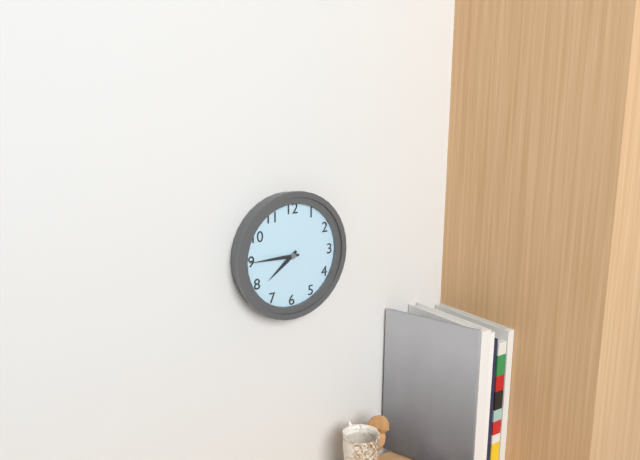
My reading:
7 h 45 min
